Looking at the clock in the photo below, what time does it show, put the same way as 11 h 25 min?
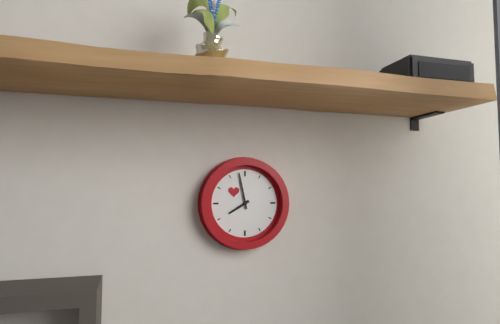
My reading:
7 h 58 min
